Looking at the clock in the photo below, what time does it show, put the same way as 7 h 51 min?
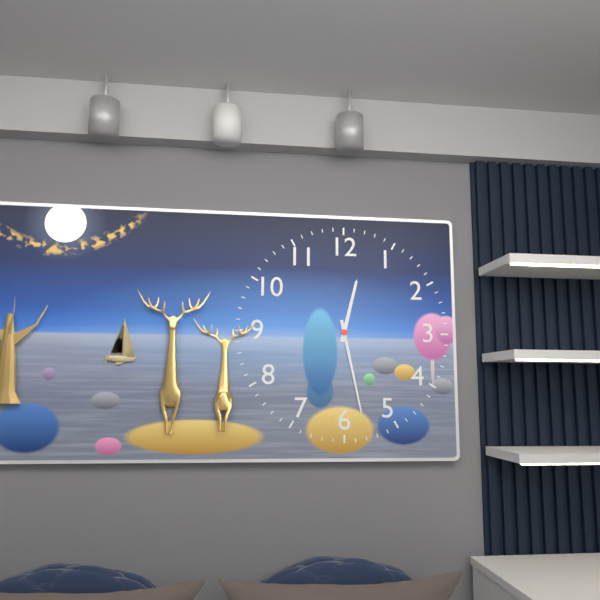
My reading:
12 h 28 min
